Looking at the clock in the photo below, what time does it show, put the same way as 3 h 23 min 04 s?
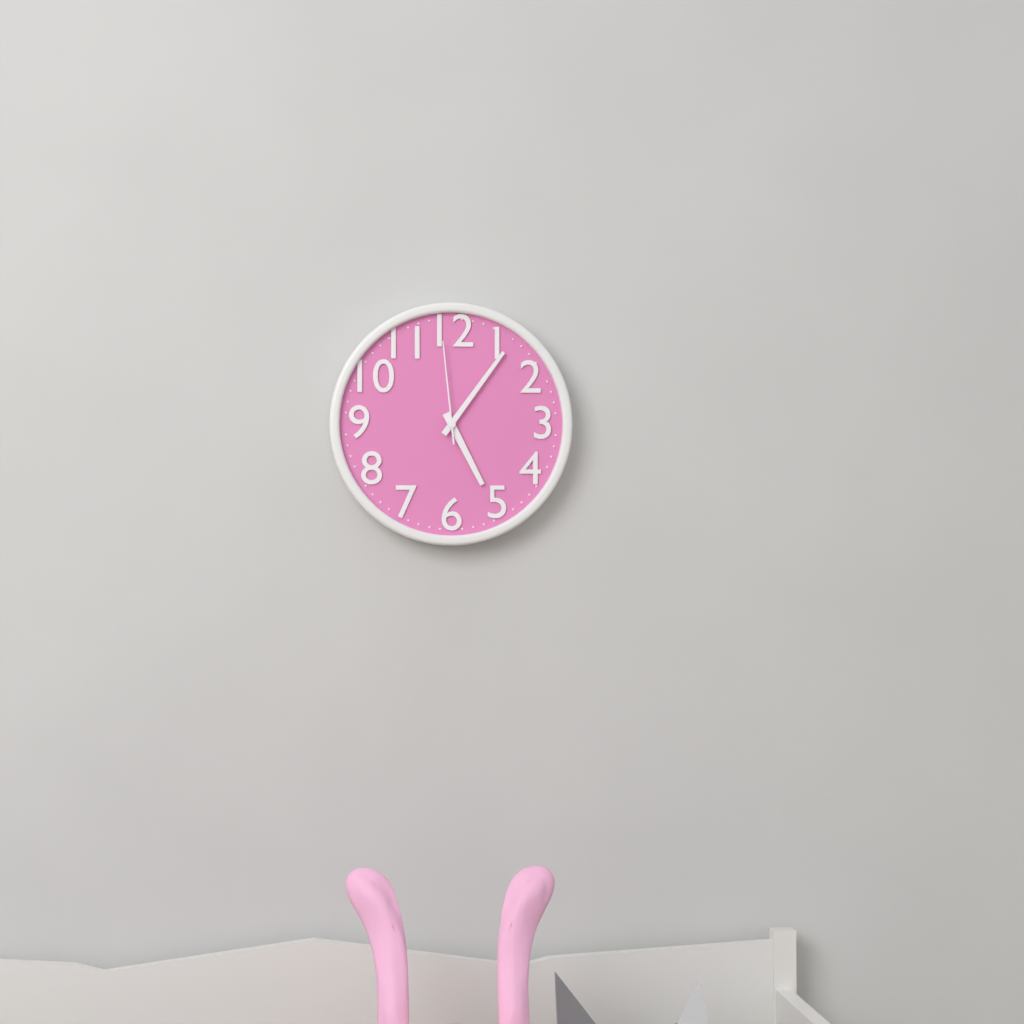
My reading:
5 h 06 min 59 s
